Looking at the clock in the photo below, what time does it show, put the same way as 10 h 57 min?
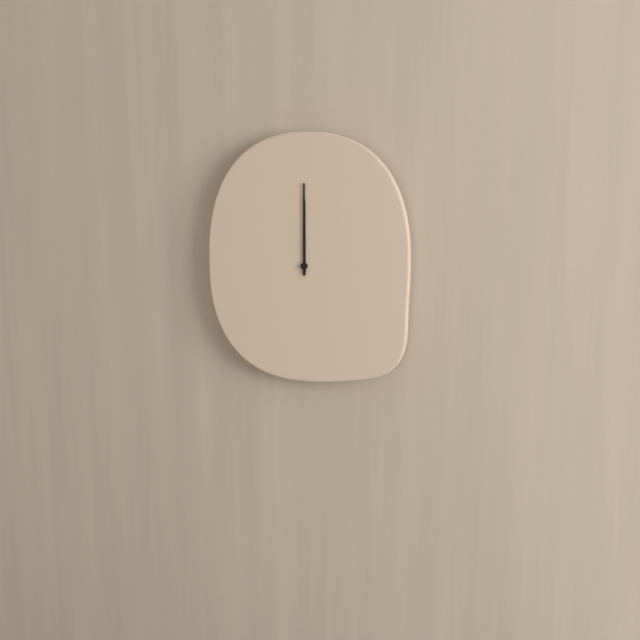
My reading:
12 h 00 min
